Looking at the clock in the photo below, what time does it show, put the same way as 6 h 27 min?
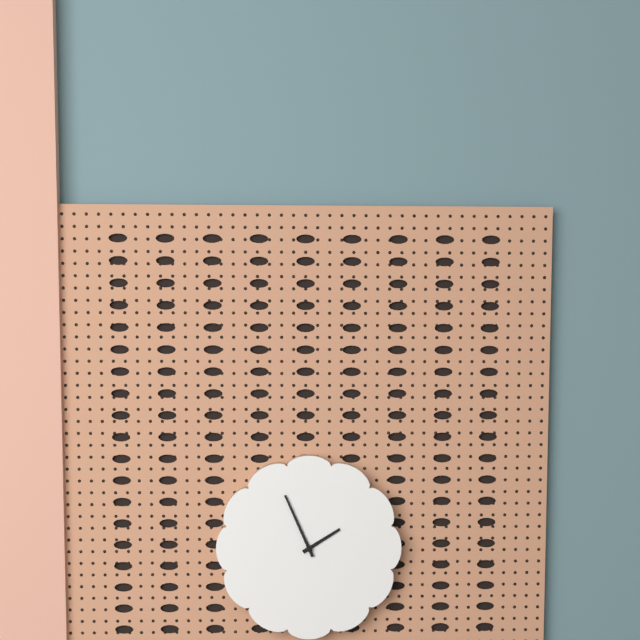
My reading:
1 h 56 min
